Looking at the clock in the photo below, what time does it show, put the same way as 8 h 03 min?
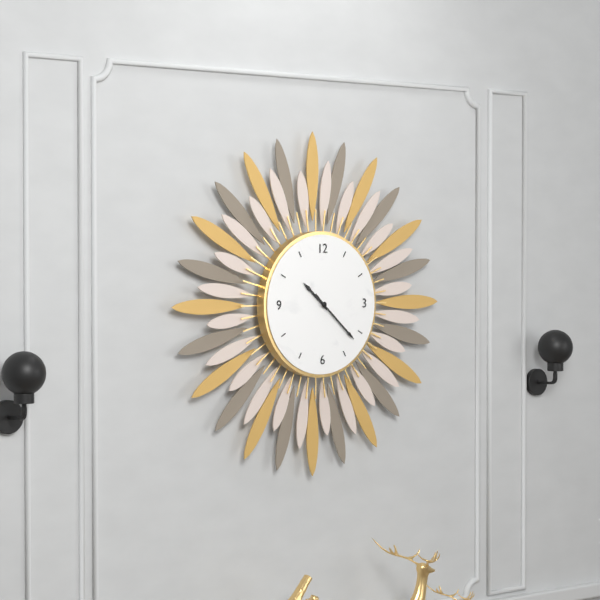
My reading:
10 h 22 min
